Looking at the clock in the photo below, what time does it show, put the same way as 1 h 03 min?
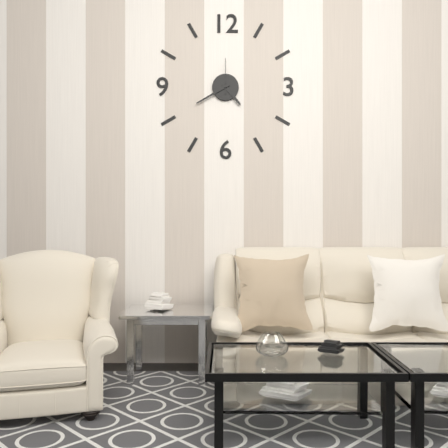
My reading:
4 h 40 min
